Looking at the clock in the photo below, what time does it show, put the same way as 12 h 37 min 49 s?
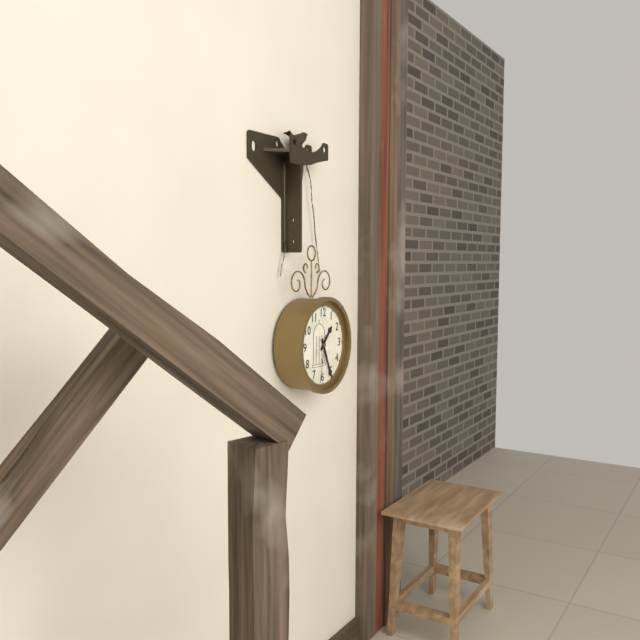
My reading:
1 h 26 min 32 s
